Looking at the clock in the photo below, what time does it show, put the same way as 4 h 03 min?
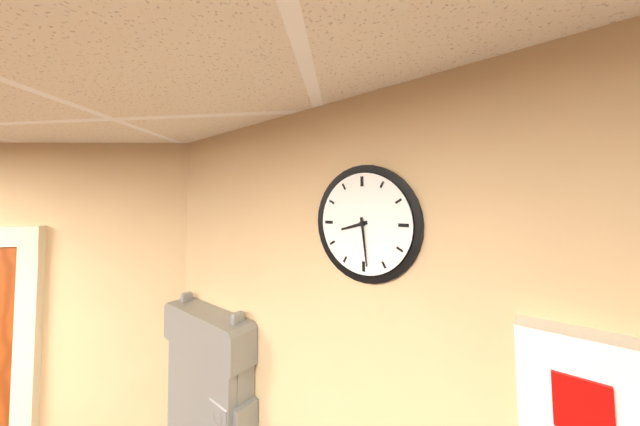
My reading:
8 h 29 min
